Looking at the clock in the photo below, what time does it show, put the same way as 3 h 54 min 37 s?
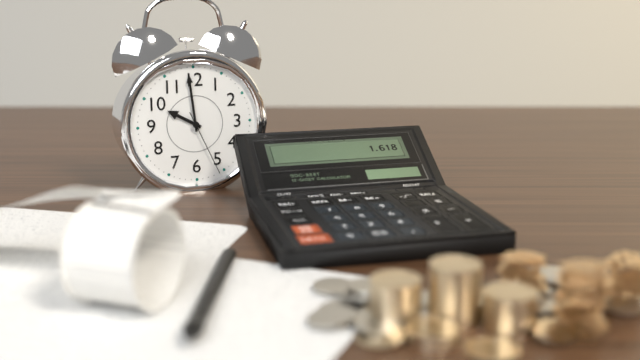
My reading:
9 h 59 min 26 s
